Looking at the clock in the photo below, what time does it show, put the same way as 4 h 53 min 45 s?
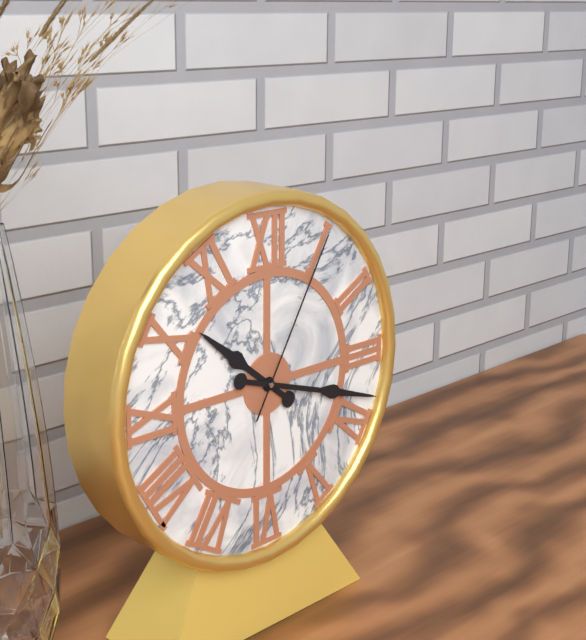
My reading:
10 h 18 min 05 s
